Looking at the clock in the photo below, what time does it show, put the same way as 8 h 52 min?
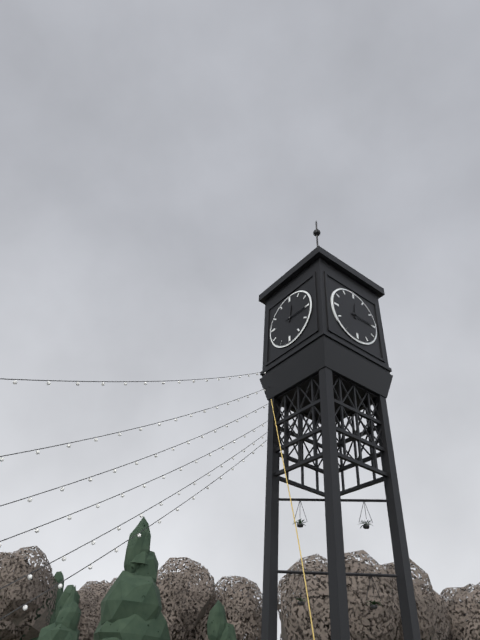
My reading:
12 h 15 min
